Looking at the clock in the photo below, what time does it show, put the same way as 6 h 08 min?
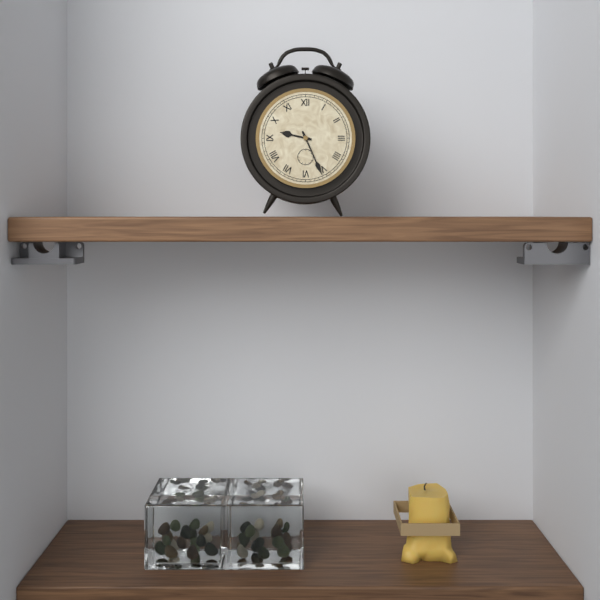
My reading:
9 h 26 min
